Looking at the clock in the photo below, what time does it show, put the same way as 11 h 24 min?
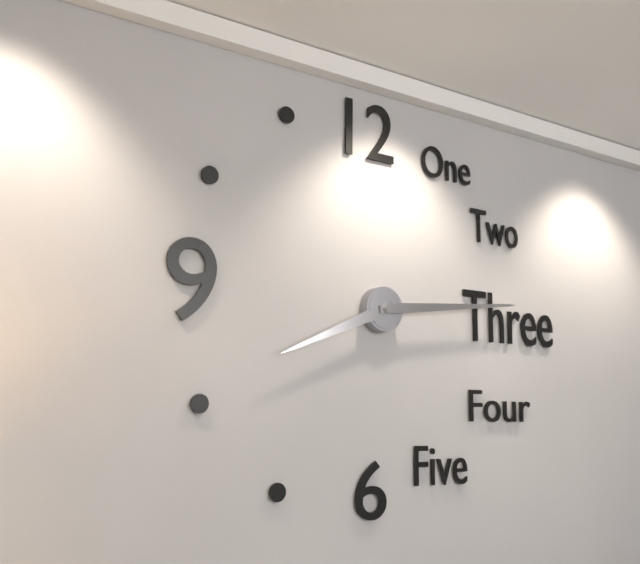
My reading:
8 h 14 min
